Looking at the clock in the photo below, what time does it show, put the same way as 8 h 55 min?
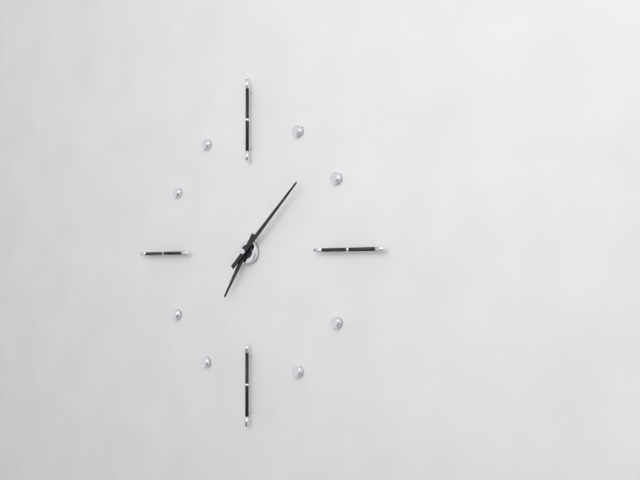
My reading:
7 h 08 min
